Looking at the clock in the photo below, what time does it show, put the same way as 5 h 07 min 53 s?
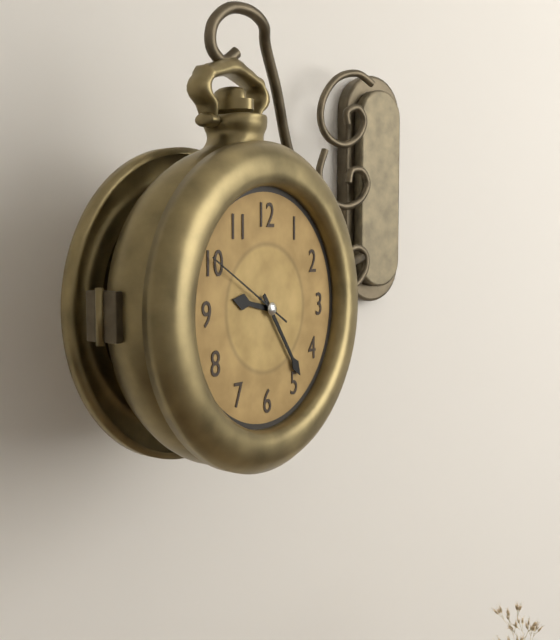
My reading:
9 h 24 min 50 s
